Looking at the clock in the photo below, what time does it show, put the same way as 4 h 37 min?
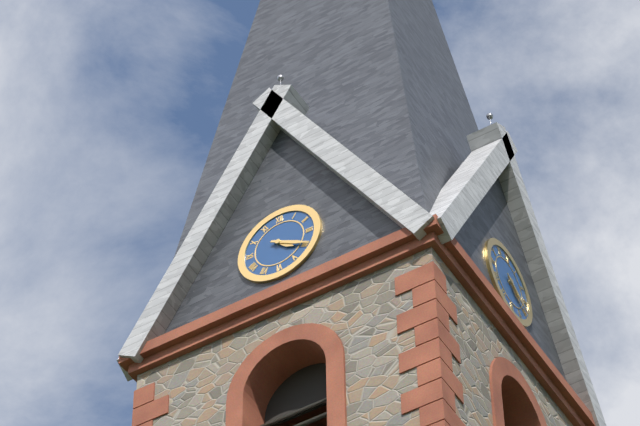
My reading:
4 h 20 min
